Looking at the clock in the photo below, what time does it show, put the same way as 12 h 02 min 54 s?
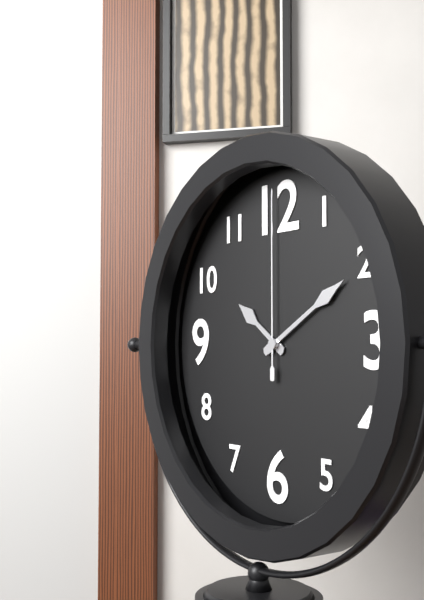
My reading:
10 h 10 min 00 s
